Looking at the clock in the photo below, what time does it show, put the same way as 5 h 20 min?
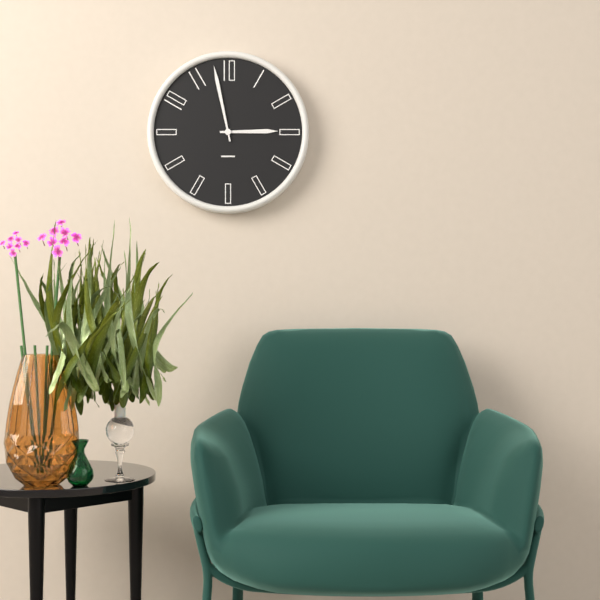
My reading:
2 h 58 min
